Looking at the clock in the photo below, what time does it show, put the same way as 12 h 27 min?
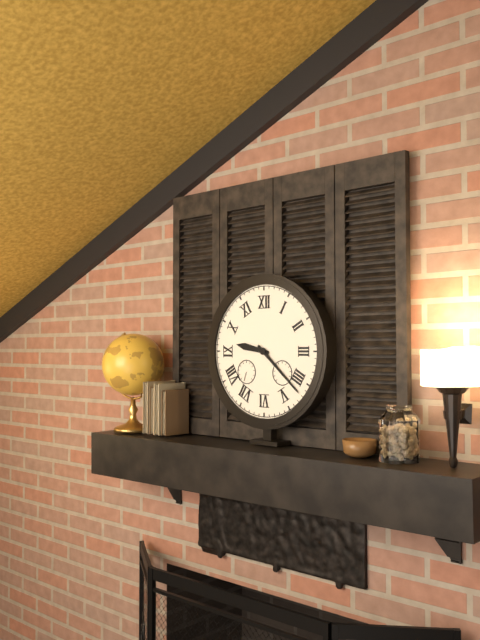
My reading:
9 h 22 min
